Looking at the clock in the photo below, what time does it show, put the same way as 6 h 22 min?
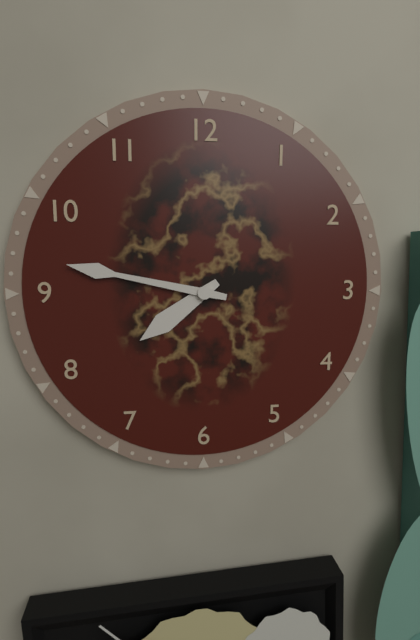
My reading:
7 h 47 min
